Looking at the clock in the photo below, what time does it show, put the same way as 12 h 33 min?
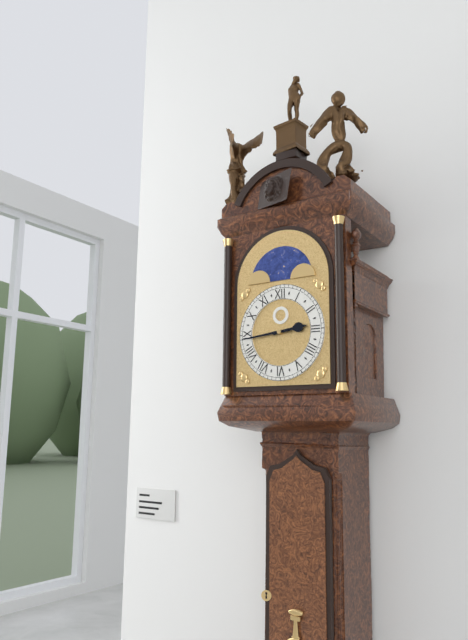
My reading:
2 h 44 min
